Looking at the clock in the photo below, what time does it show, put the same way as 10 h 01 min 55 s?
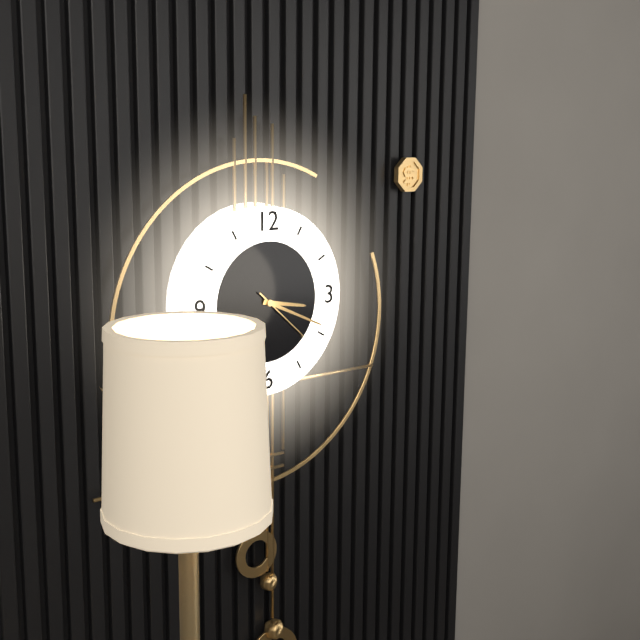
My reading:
3 h 19 min 22 s
